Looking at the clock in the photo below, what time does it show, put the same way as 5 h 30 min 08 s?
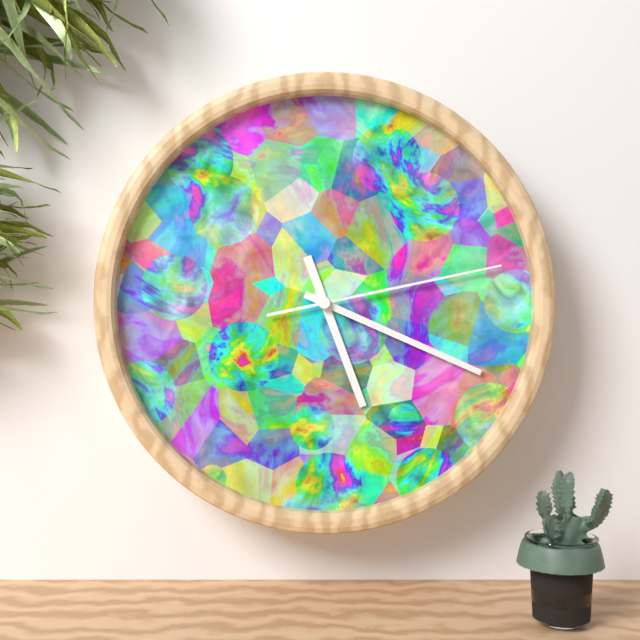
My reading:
5 h 19 min 13 s
